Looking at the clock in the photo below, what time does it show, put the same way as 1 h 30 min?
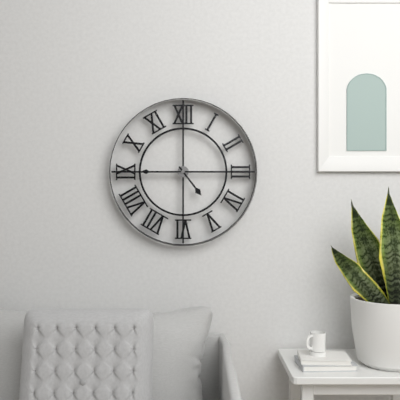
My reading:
4 h 45 min
